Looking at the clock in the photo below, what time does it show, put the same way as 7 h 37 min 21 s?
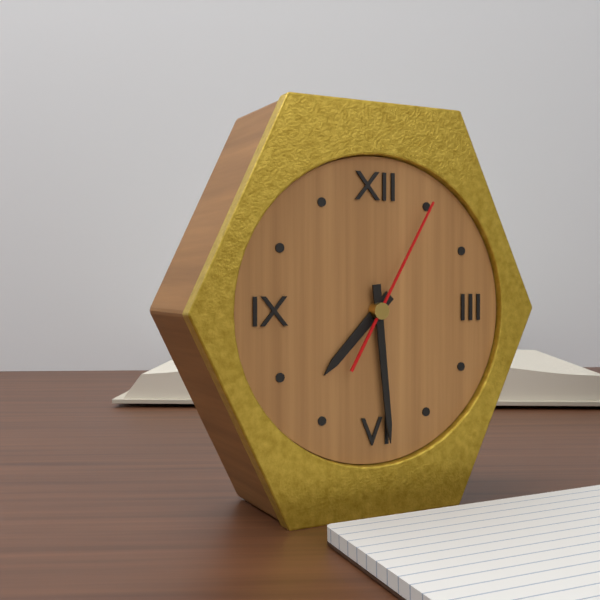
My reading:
7 h 29 min 05 s
